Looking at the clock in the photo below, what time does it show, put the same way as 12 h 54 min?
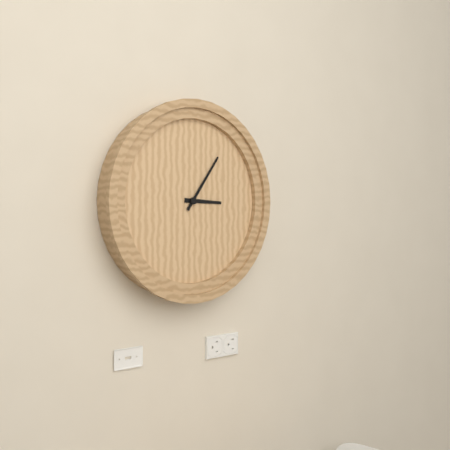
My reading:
3 h 06 min
